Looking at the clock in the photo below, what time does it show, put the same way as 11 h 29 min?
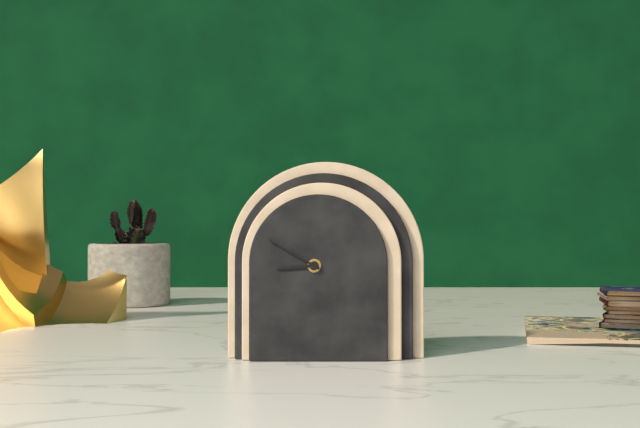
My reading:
8 h 50 min
